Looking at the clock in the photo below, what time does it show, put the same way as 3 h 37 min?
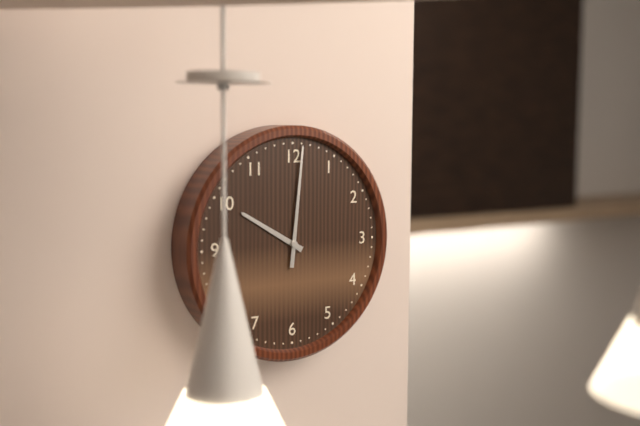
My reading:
10 h 01 min
